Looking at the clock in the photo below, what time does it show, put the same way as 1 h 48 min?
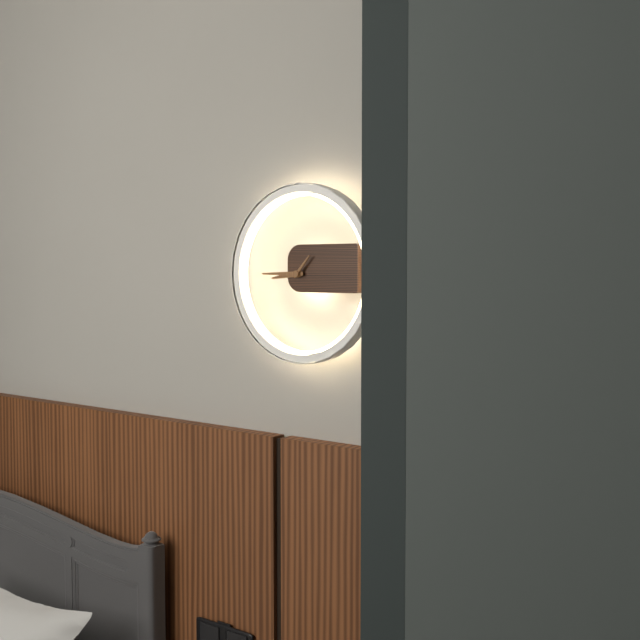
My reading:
8 h 45 min
